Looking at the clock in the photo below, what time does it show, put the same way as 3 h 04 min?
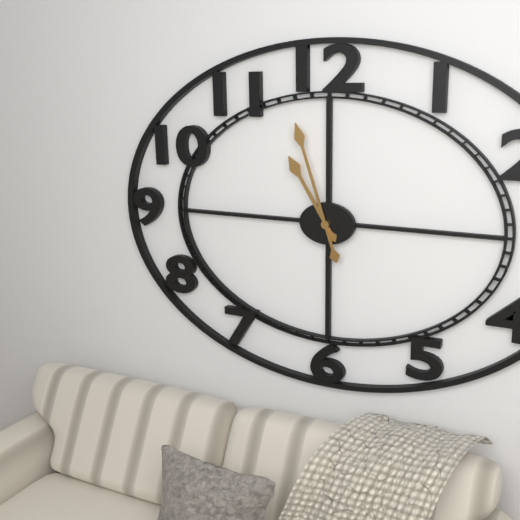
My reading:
10 h 57 min
